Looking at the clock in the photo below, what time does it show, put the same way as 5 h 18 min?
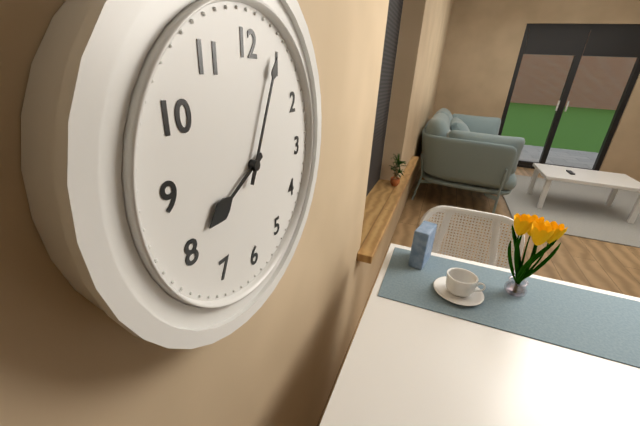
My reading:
8 h 04 min
